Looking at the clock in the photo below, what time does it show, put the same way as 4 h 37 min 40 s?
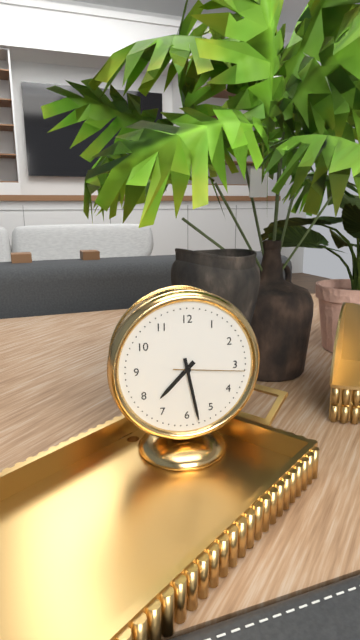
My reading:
7 h 28 min 16 s
